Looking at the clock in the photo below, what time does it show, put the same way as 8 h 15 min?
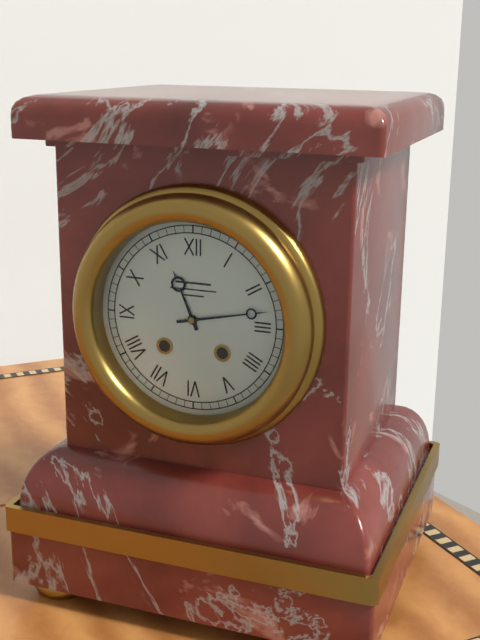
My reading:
11 h 13 min
